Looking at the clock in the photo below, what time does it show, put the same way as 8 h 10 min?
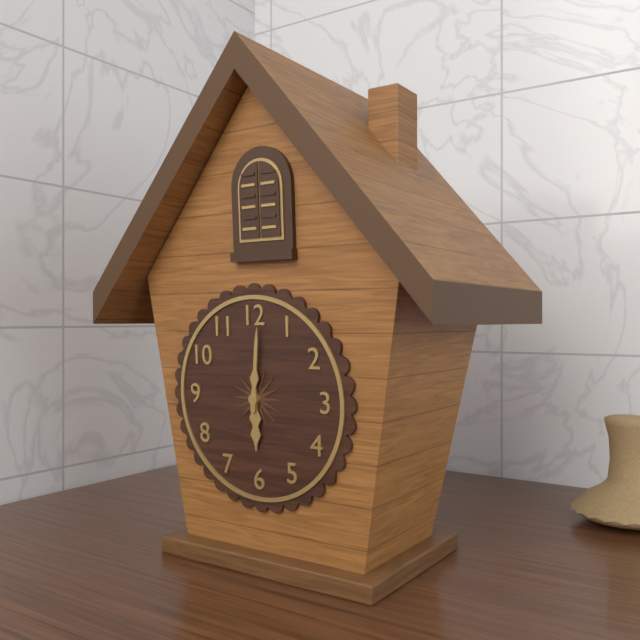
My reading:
6 h 01 min
